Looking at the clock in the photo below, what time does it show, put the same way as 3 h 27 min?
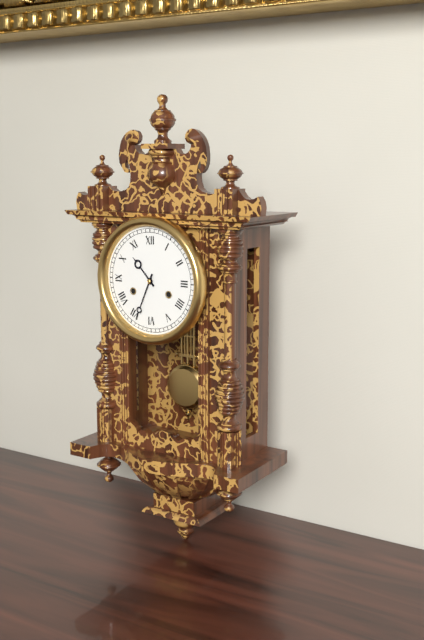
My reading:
10 h 34 min
